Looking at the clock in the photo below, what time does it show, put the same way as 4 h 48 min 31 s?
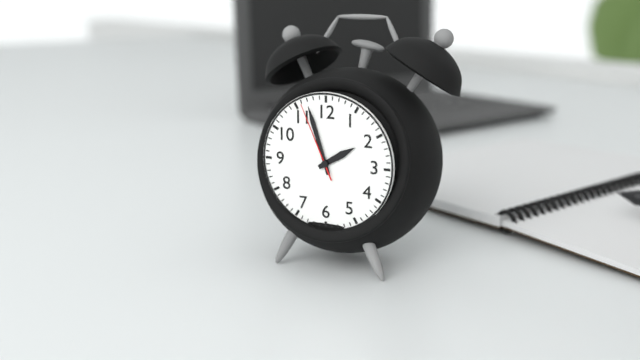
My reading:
1 h 57 min 56 s
